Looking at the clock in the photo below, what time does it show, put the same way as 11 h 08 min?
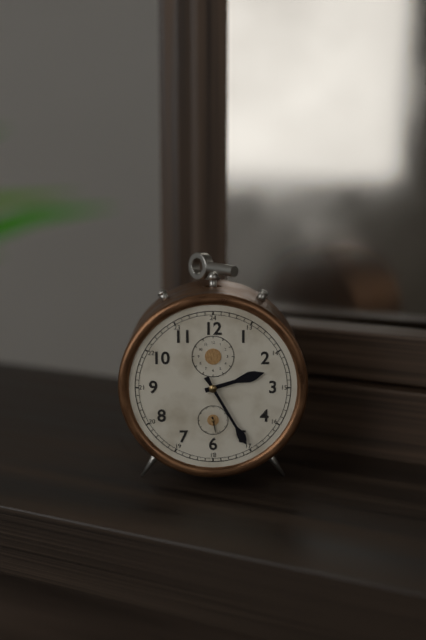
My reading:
2 h 25 min
